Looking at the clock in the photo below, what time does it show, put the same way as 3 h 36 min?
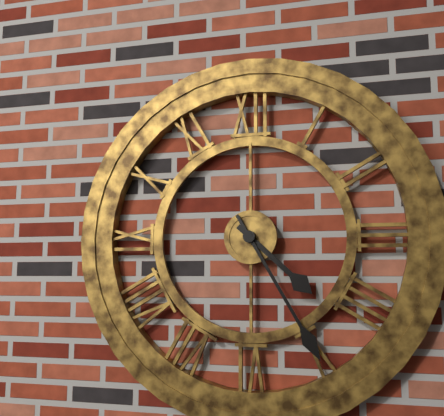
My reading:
4 h 25 min
